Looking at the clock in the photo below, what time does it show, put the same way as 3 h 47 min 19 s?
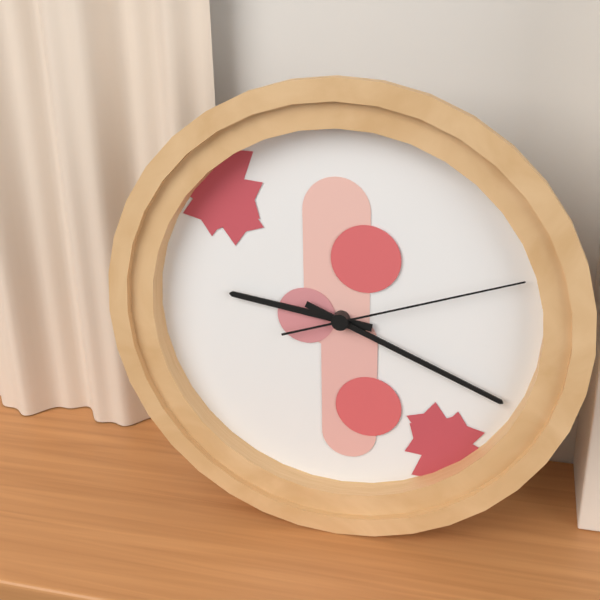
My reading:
9 h 19 min 12 s
